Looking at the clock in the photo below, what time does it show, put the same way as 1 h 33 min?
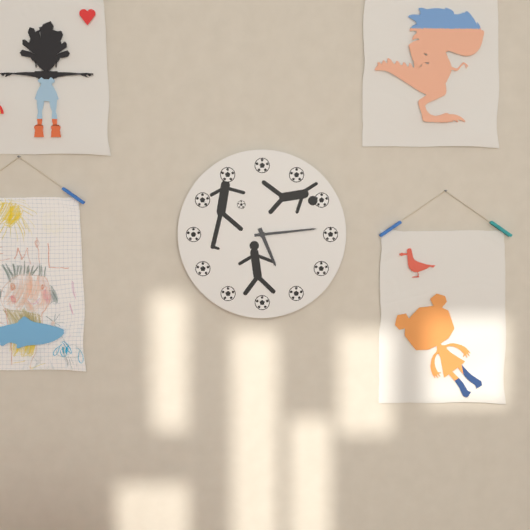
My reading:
5 h 14 min
